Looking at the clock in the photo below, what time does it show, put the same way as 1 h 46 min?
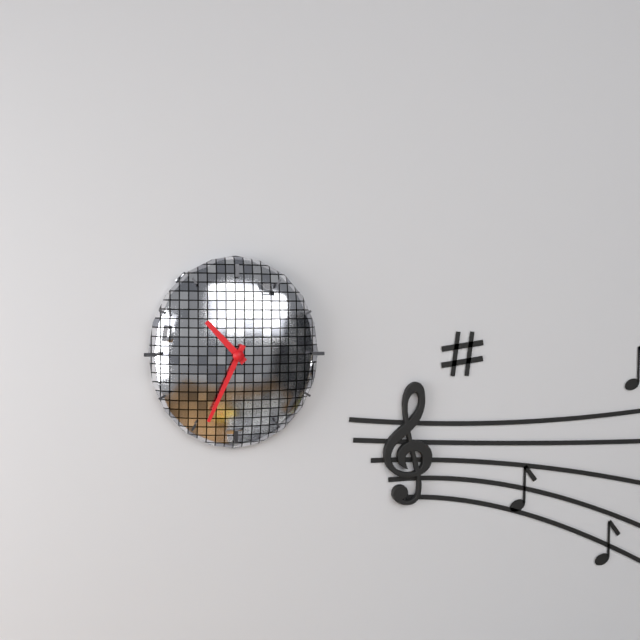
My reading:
10 h 34 min
